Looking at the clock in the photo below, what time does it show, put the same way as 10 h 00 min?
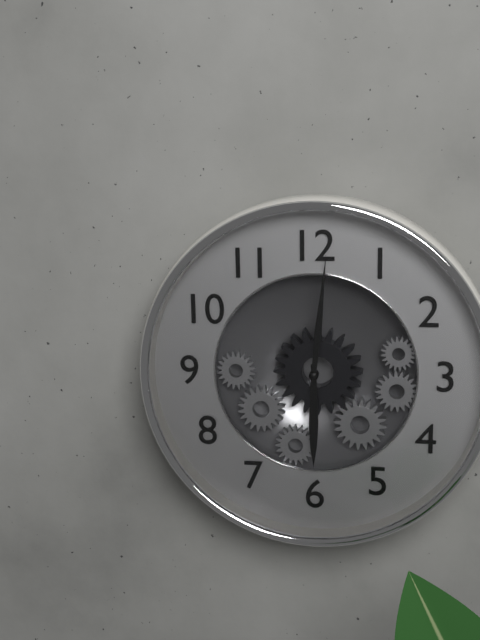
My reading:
6 h 01 min
